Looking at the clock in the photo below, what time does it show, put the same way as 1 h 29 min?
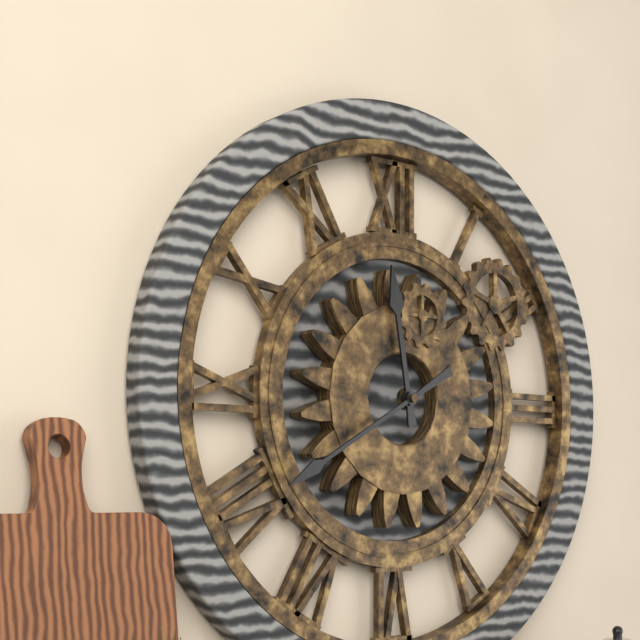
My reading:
11 h 40 min
